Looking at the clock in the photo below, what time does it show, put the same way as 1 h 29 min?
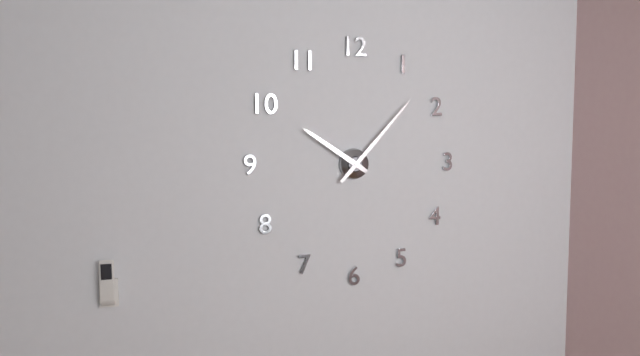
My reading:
10 h 07 min
